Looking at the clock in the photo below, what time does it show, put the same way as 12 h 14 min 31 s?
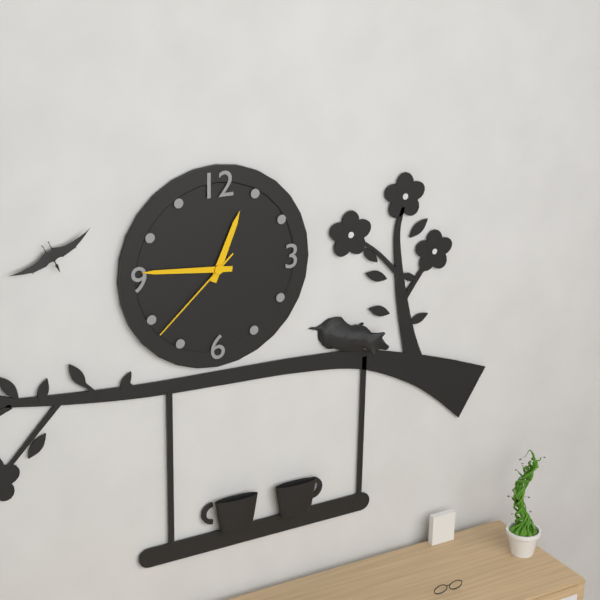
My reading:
12 h 46 min 38 s
